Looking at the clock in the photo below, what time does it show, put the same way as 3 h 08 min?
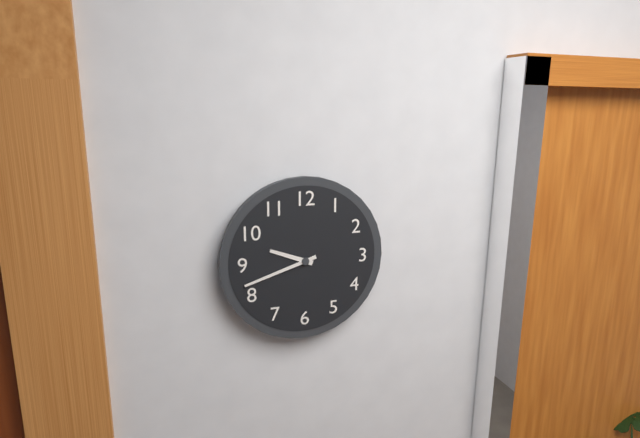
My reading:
9 h 42 min
